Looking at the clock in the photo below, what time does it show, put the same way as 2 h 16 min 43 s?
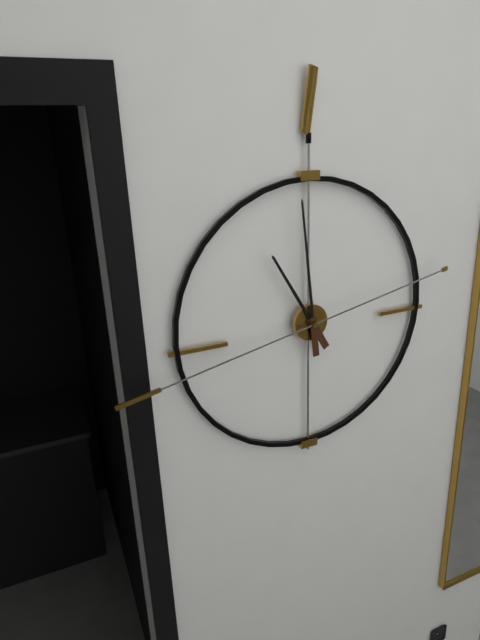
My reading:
10 h 59 min 43 s
